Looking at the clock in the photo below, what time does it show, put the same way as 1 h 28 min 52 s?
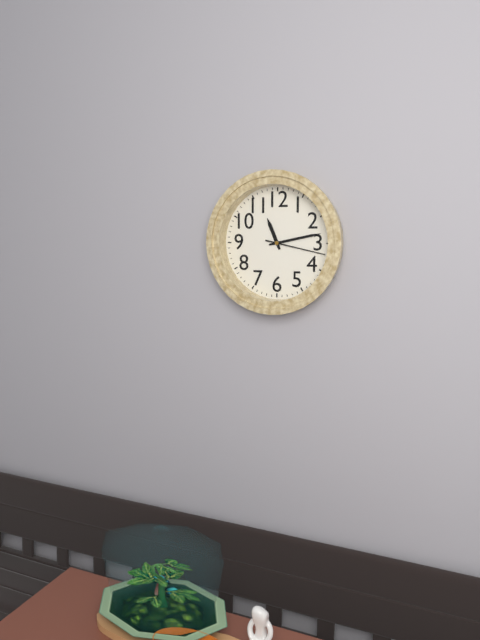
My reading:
11 h 13 min 17 s
